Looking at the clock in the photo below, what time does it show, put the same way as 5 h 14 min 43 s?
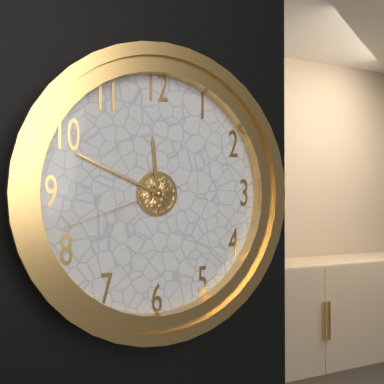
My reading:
11 h 49 min 42 s
